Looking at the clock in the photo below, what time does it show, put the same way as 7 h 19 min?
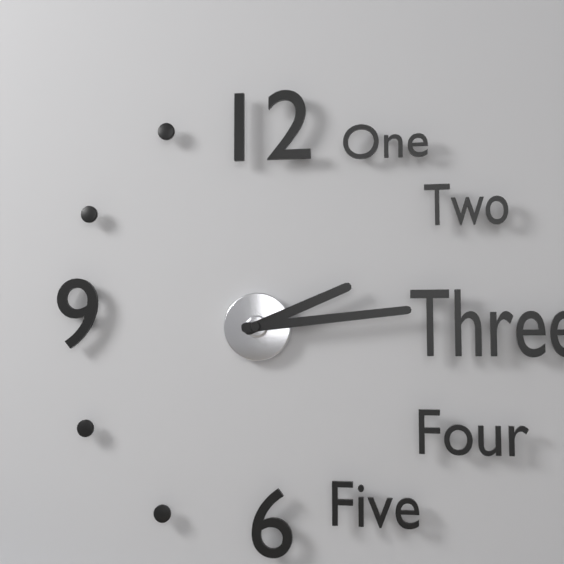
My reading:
2 h 14 min
